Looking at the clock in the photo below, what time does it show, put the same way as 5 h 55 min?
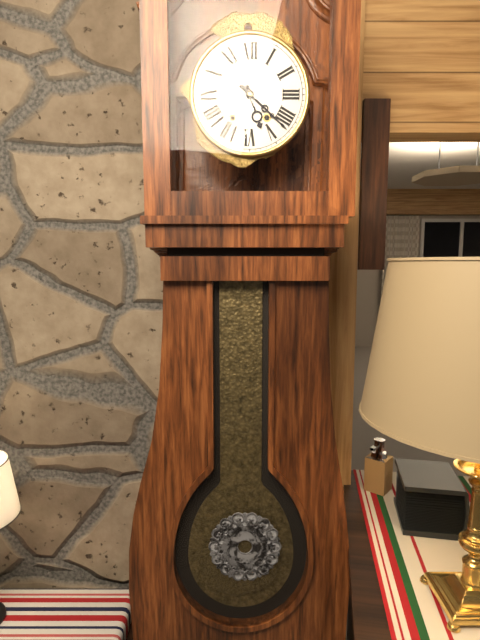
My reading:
5 h 22 min
